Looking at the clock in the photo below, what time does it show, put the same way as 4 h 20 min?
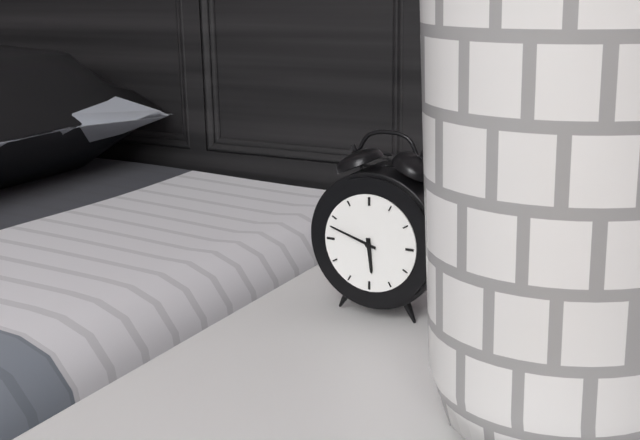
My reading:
5 h 48 min
